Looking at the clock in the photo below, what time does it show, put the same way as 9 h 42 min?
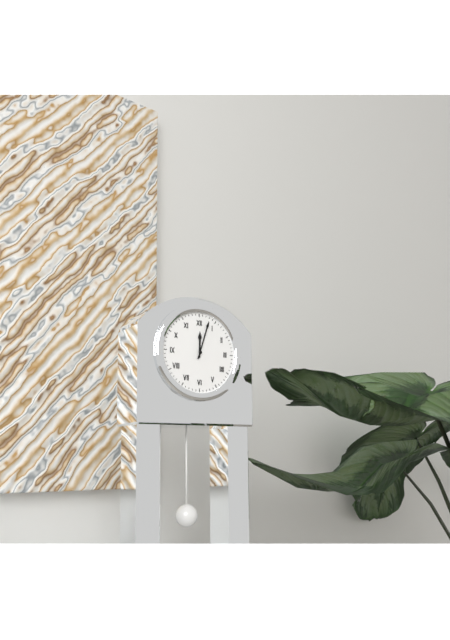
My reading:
12 h 03 min
